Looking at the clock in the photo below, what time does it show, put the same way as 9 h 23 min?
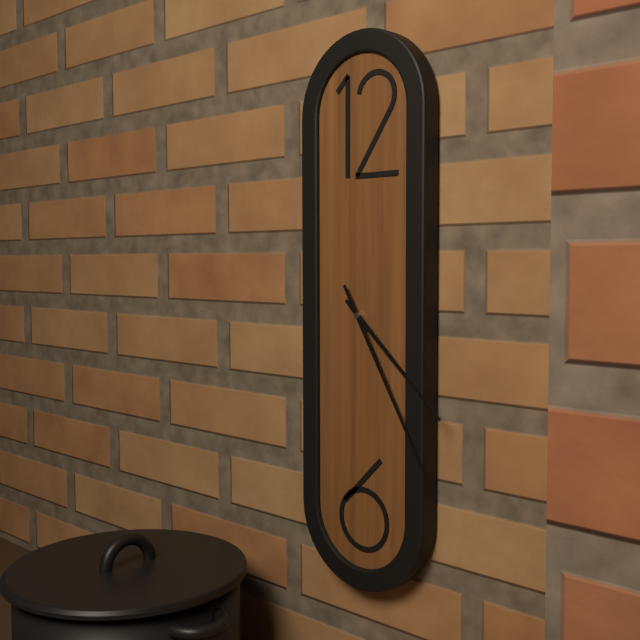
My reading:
4 h 25 min
